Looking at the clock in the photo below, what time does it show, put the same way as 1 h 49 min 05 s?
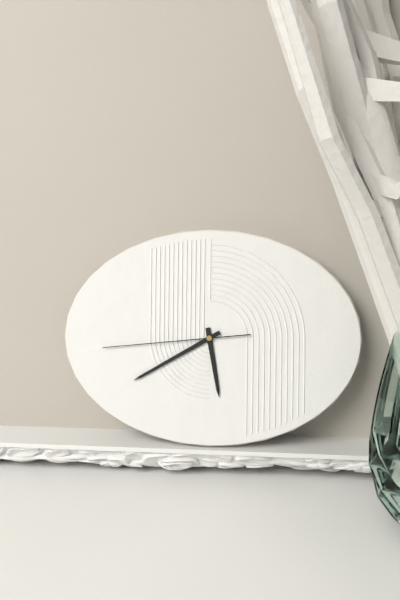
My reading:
5 h 40 min 44 s
